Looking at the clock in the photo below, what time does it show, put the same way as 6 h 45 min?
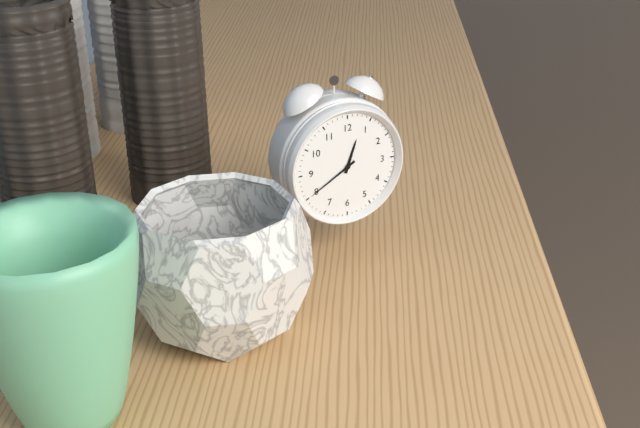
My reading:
12 h 40 min
